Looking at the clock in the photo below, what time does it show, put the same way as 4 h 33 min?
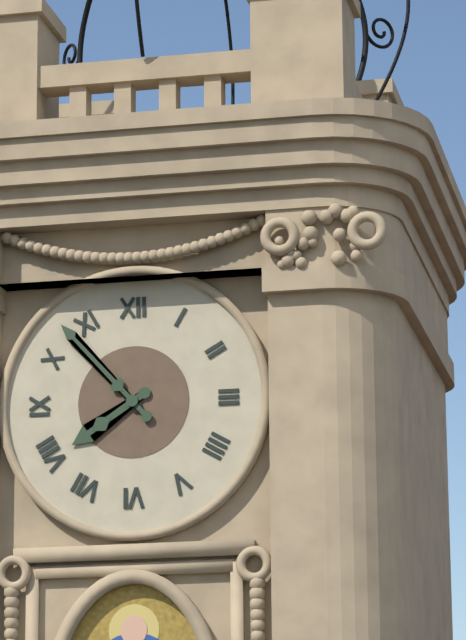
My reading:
7 h 53 min
